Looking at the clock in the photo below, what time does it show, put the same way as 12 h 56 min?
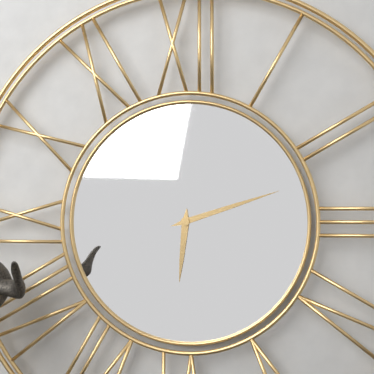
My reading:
6 h 12 min
